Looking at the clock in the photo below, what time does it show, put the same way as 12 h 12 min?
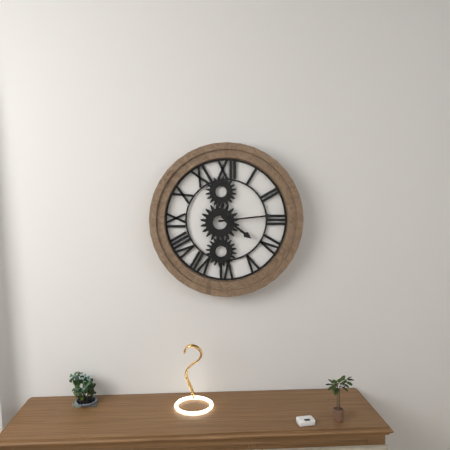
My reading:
4 h 14 min
